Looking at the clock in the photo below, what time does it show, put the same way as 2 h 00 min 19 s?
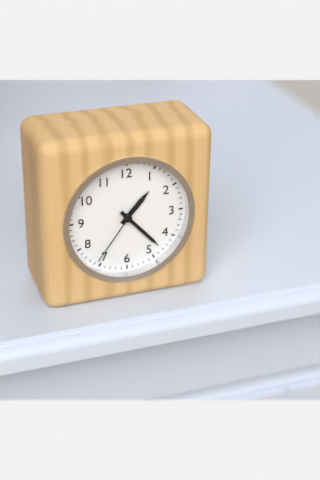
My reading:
1 h 23 min 36 s
